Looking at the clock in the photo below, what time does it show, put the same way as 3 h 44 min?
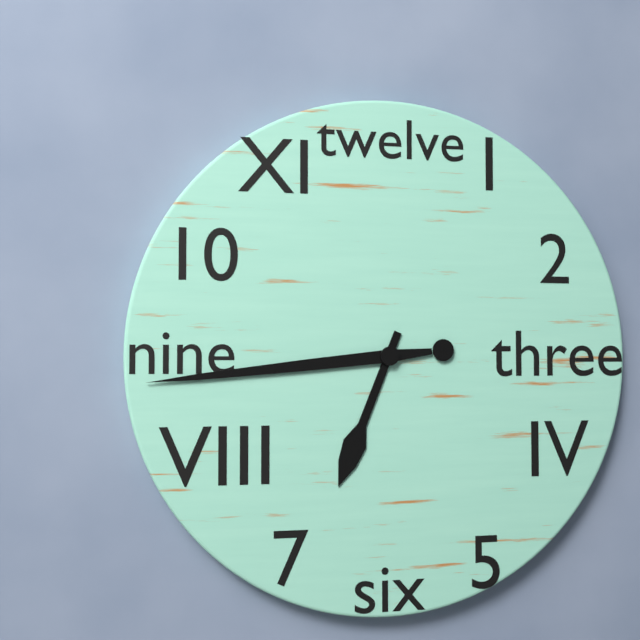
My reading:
6 h 44 min
